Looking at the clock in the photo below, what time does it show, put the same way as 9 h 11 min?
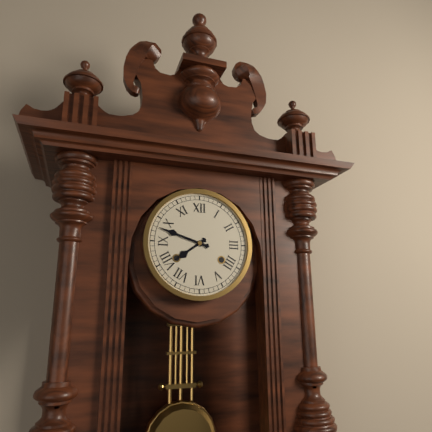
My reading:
7 h 48 min
